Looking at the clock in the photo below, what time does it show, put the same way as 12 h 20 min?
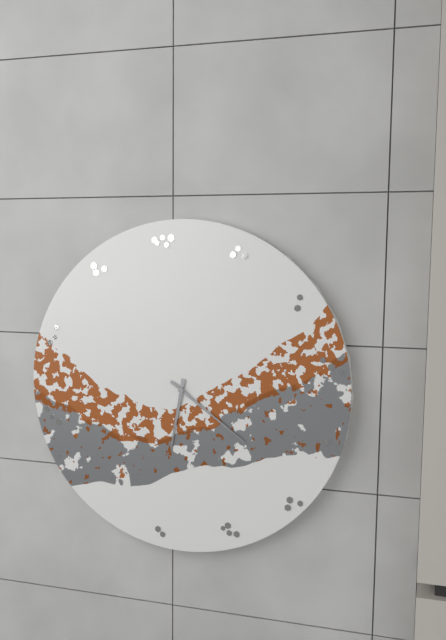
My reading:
6 h 21 min
